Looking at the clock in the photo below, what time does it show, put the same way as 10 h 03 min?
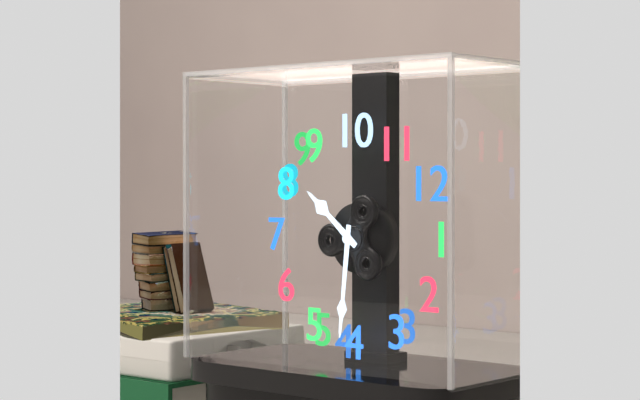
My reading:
8 h 21 min
